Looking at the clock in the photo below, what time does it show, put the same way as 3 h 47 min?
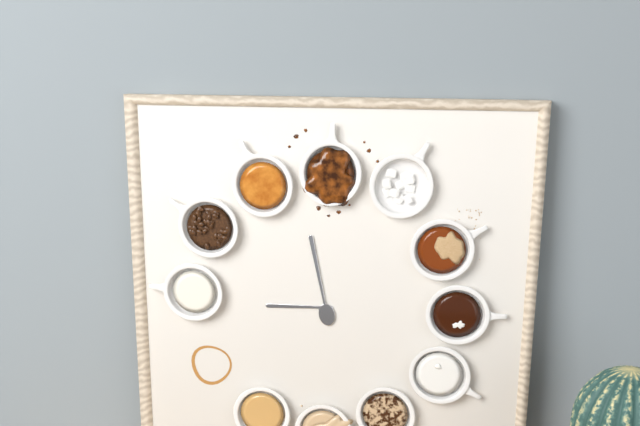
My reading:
8 h 58 min
